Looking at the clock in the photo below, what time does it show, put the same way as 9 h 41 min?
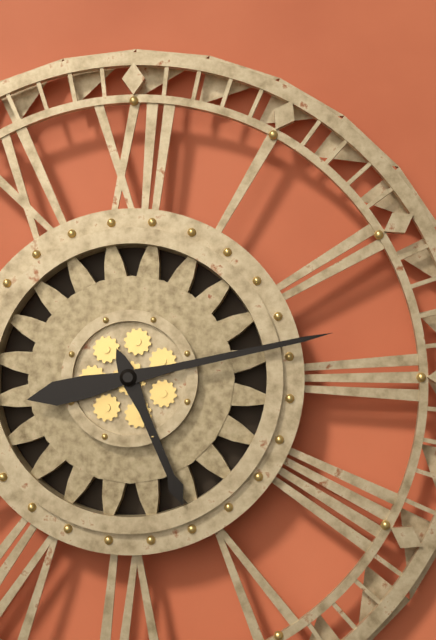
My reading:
5 h 13 min
